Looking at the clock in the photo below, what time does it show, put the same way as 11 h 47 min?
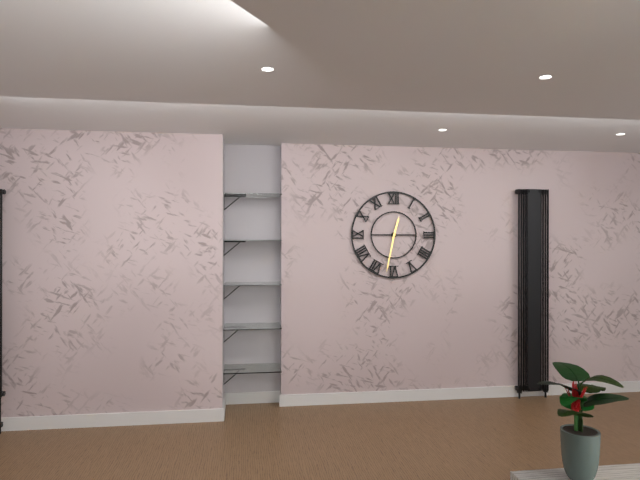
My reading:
12 h 32 min
